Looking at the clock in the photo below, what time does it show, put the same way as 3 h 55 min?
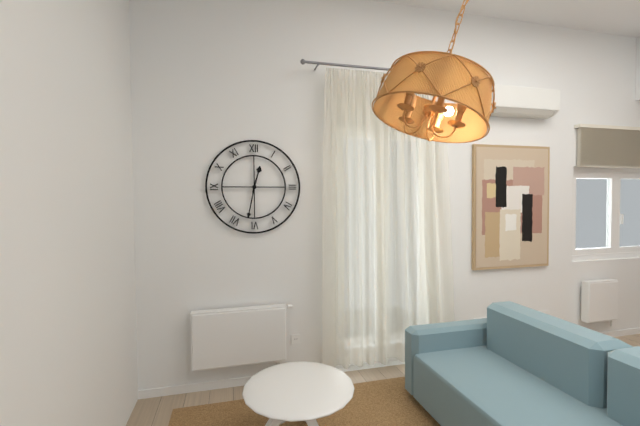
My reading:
12 h 32 min
